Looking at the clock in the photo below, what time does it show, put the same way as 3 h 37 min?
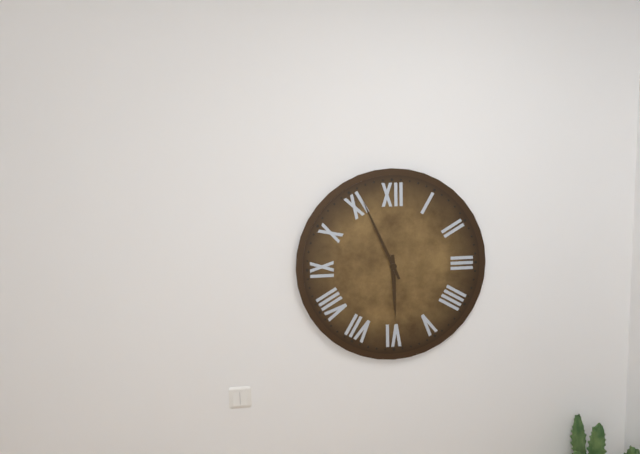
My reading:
5 h 56 min
